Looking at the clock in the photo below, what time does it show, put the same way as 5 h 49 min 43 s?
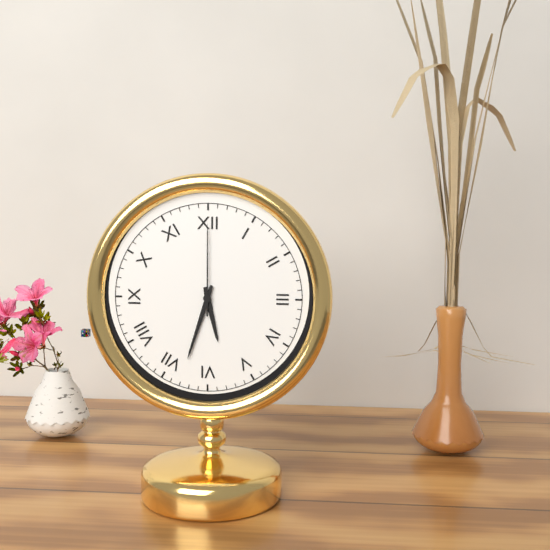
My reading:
5 h 33 min 00 s
